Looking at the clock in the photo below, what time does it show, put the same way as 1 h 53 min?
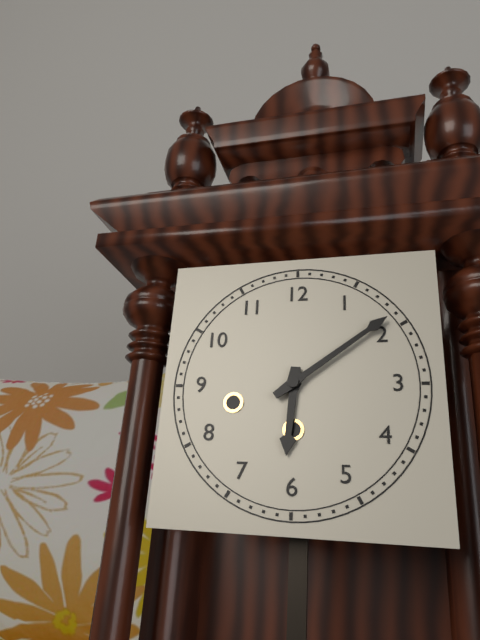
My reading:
6 h 09 min
